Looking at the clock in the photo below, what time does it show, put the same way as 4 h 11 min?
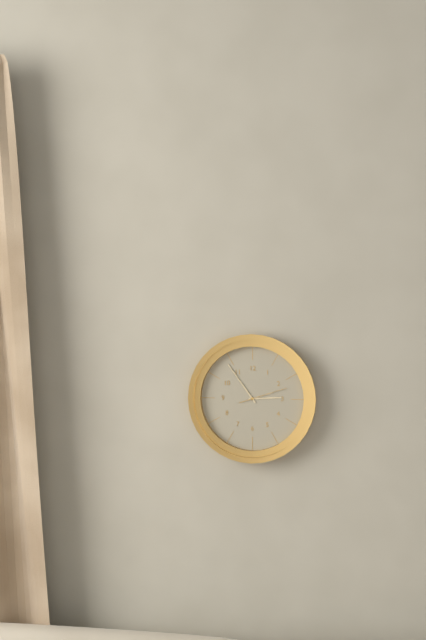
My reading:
2 h 54 min
